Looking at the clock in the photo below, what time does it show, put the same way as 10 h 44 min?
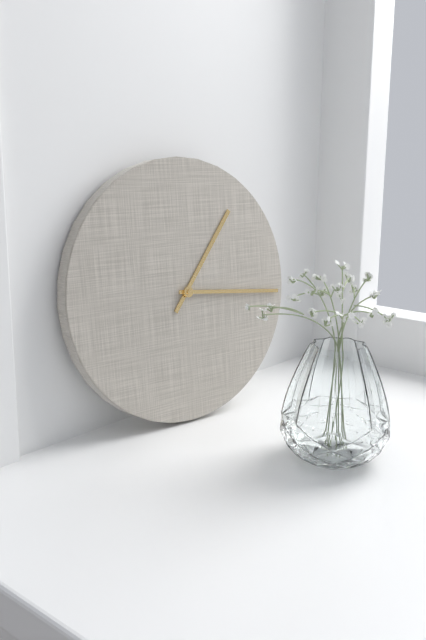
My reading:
1 h 16 min
